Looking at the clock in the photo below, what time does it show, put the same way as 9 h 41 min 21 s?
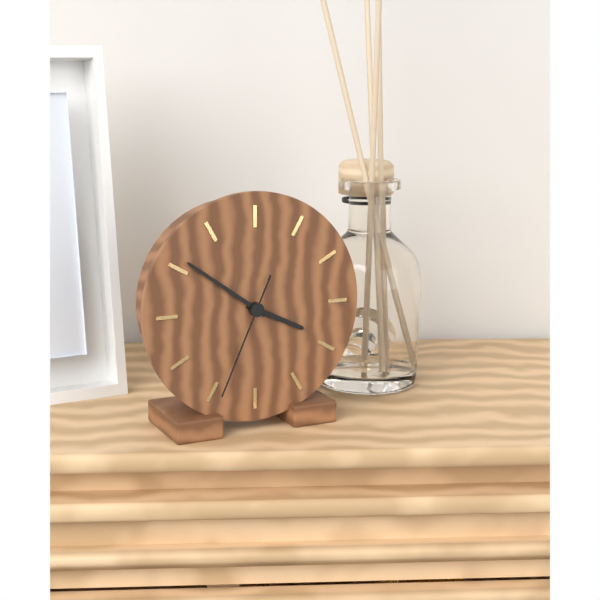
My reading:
3 h 51 min 34 s
